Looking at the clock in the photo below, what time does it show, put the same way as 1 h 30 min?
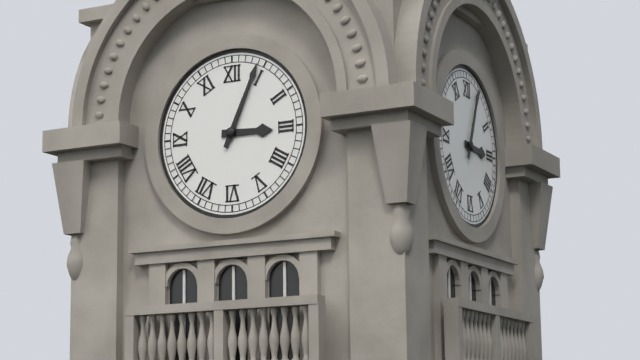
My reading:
3 h 04 min
